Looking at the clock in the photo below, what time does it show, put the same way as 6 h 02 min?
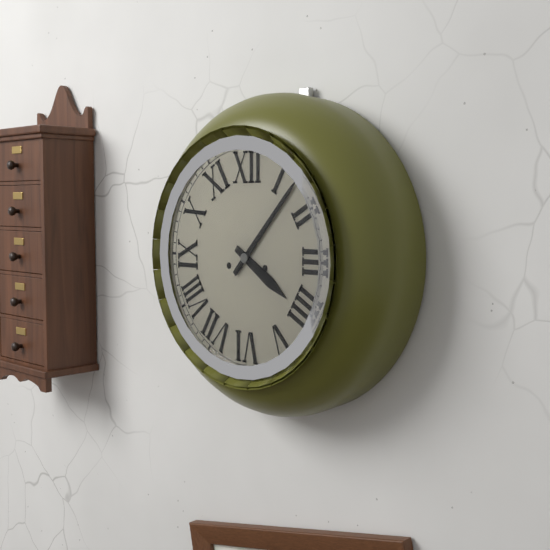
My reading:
4 h 07 min
